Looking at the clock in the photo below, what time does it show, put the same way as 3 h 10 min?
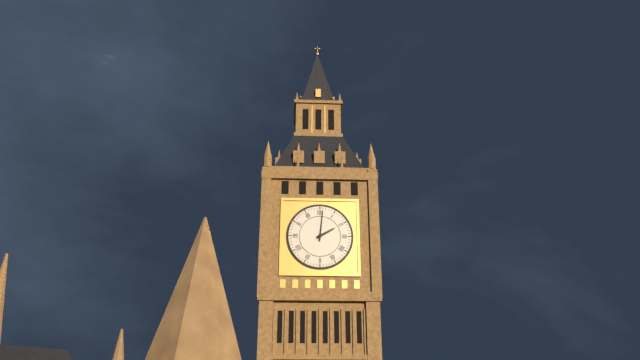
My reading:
2 h 01 min
